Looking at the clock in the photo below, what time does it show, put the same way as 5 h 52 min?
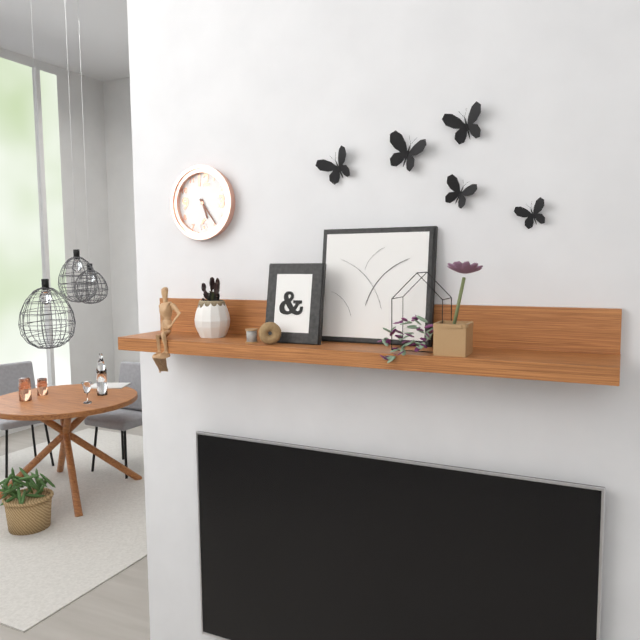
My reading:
5 h 24 min
